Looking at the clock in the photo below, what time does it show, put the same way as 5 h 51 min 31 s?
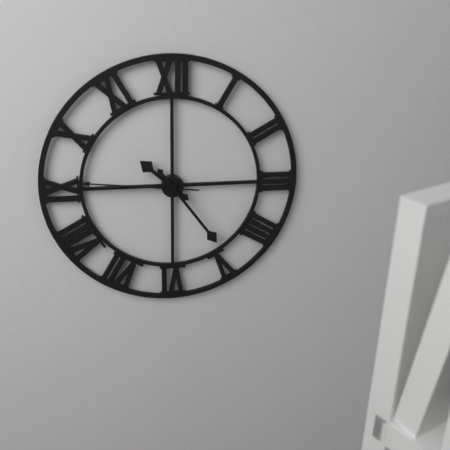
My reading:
10 h 24 min 46 s
